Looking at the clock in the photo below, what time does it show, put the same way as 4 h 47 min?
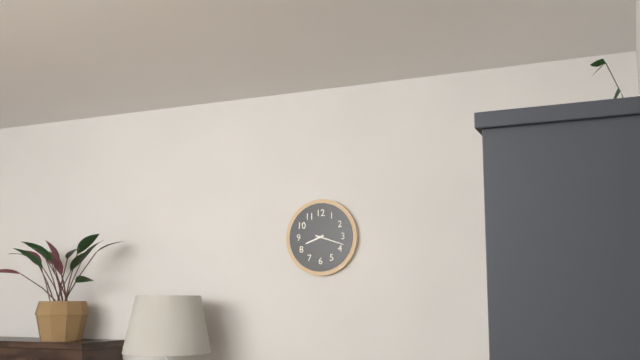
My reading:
8 h 18 min
